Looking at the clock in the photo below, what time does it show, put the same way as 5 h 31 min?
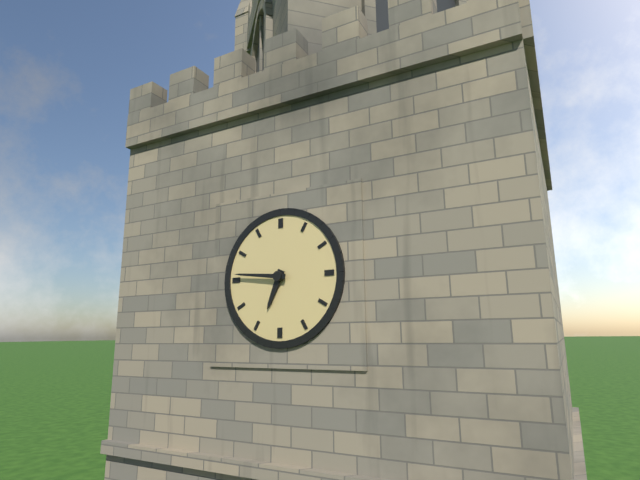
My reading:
6 h 46 min
